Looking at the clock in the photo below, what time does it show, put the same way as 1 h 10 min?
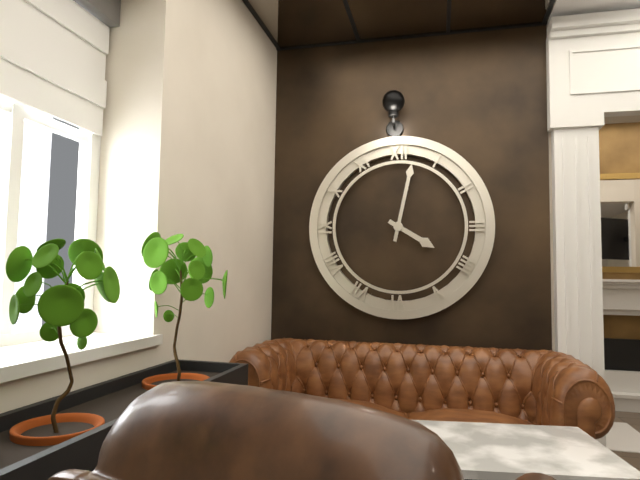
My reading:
4 h 02 min
